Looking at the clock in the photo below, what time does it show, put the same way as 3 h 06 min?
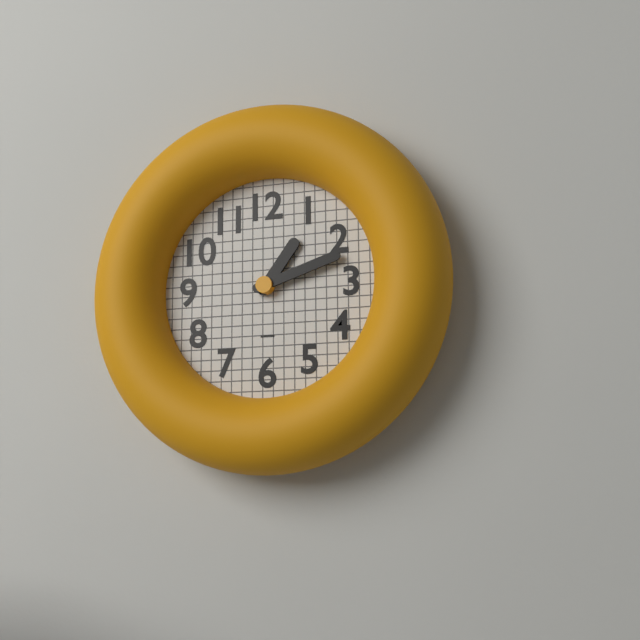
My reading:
1 h 12 min
